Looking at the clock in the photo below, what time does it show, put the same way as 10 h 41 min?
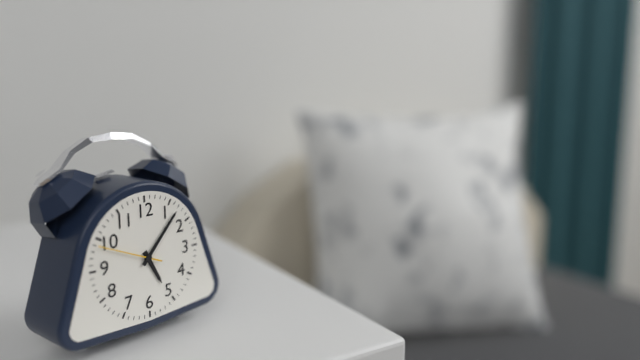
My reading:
5 h 07 min
